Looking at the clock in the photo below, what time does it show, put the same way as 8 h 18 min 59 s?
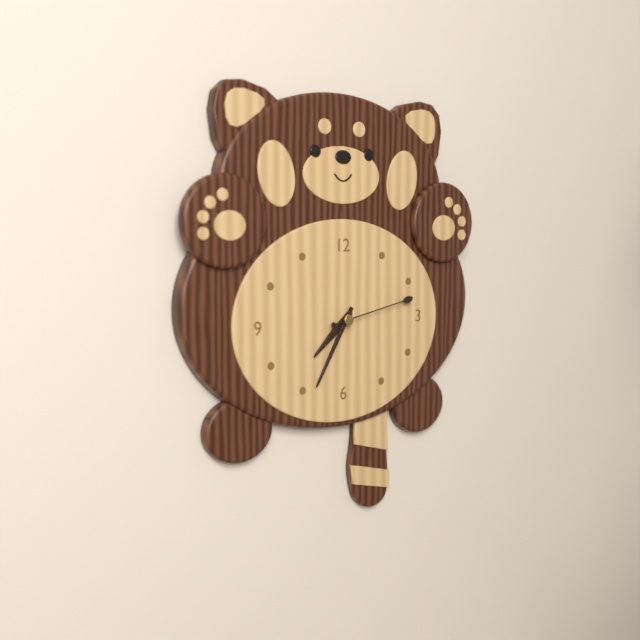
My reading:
7 h 35 min 13 s
